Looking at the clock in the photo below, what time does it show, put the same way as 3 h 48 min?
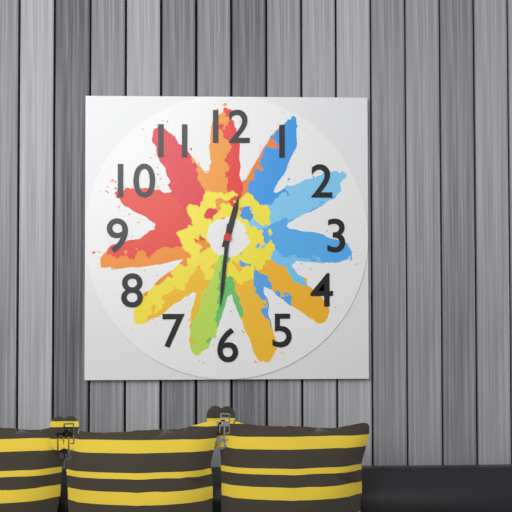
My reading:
12 h 31 min
